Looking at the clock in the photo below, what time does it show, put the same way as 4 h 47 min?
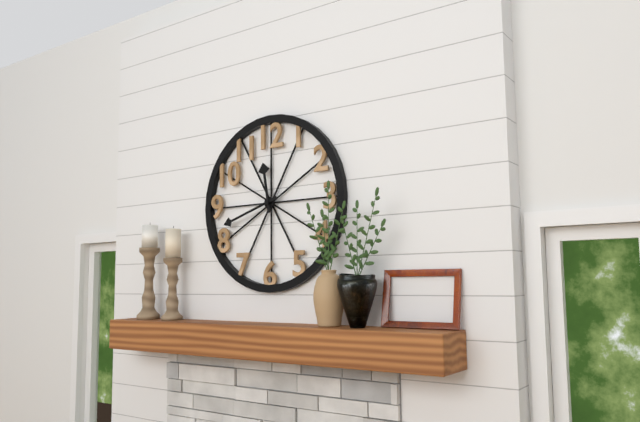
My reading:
11 h 42 min
